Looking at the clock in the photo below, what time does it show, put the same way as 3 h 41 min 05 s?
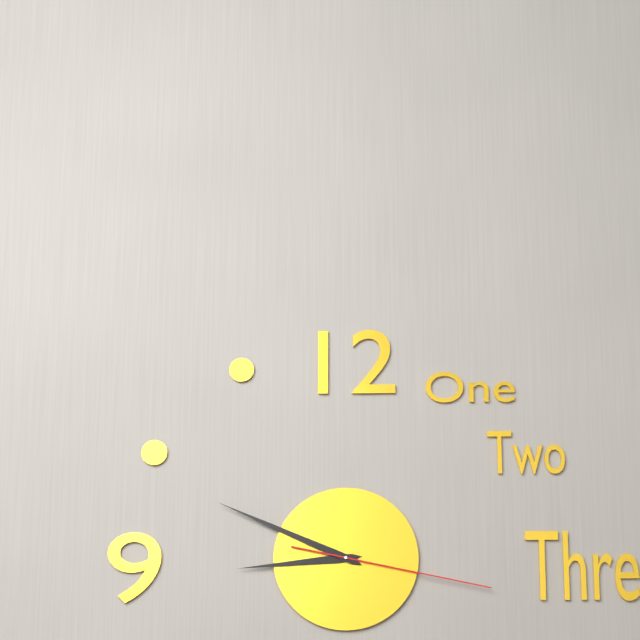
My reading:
8 h 49 min 17 s
